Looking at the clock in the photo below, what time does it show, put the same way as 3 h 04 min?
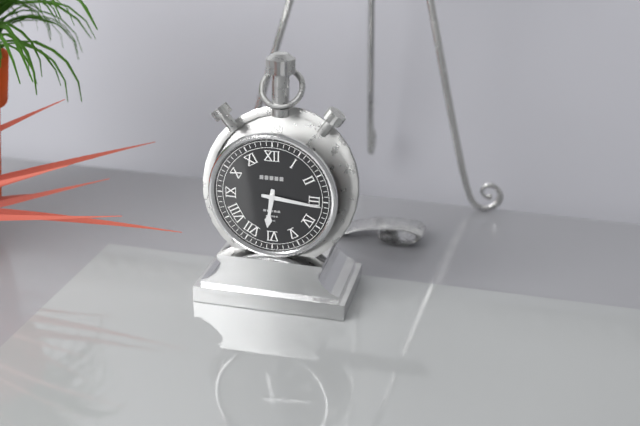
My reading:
6 h 16 min
